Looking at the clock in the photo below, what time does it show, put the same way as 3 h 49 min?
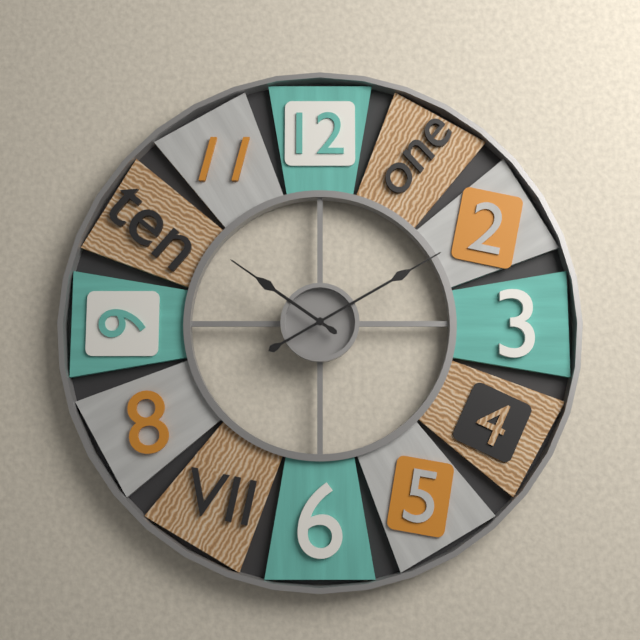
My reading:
10 h 10 min
